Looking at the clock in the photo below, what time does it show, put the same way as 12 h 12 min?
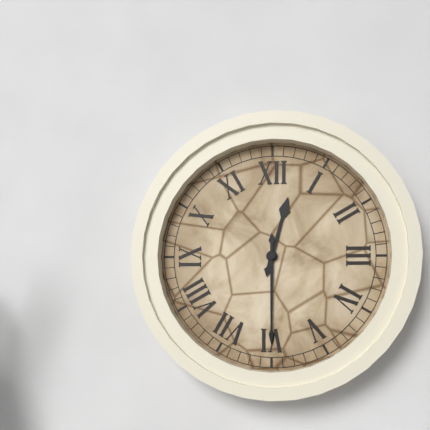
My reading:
12 h 30 min
